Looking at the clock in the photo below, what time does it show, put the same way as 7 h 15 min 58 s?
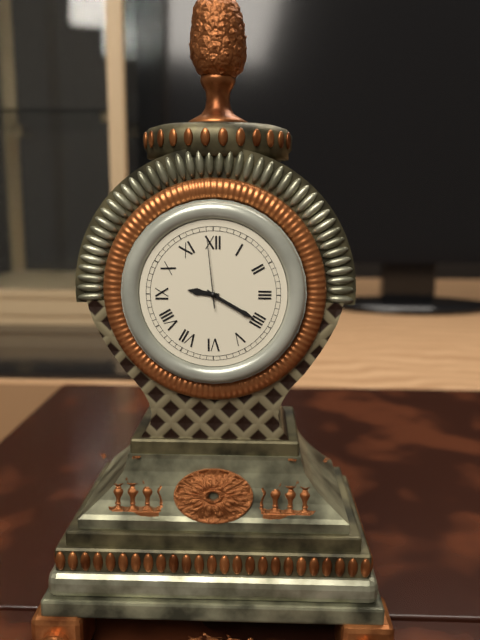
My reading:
9 h 20 min 59 s
